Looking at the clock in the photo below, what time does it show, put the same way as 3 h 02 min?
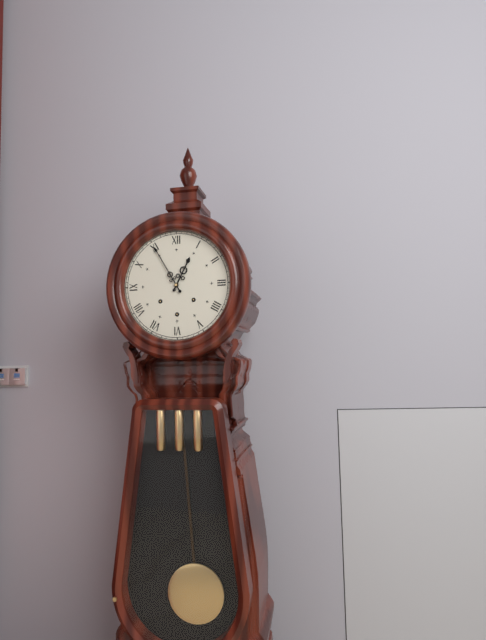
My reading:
12 h 55 min
